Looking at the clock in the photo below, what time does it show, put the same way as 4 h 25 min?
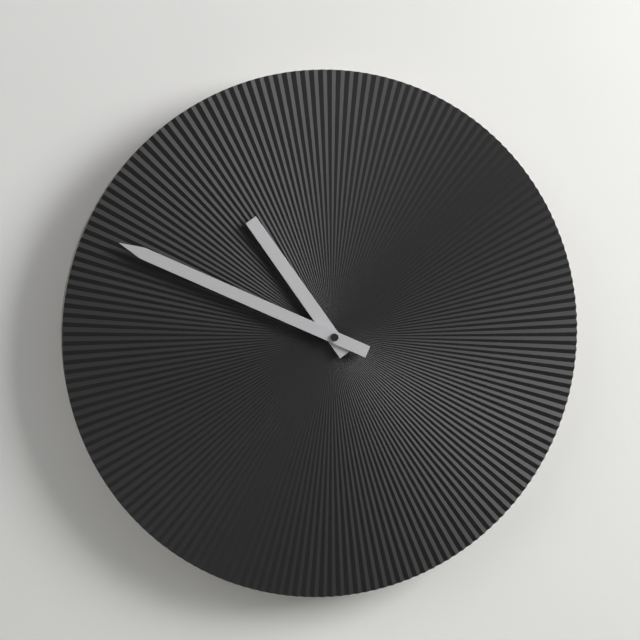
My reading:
10 h 49 min
